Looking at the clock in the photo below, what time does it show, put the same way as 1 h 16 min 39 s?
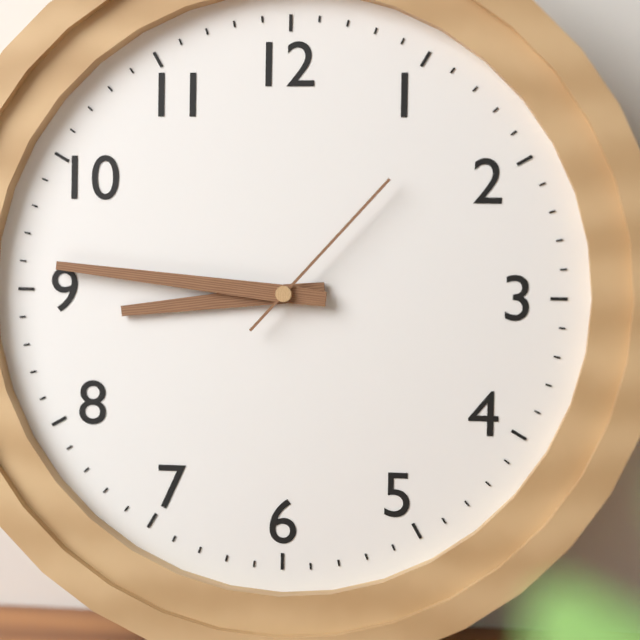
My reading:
8 h 46 min 07 s
